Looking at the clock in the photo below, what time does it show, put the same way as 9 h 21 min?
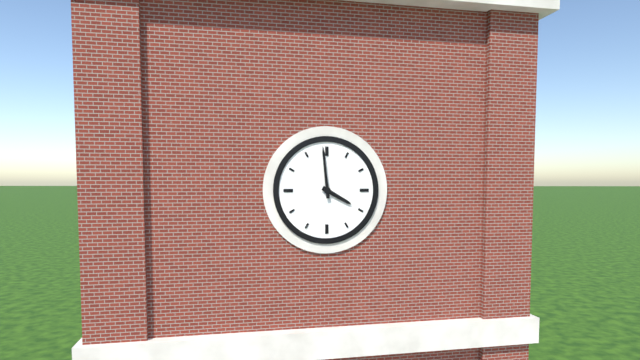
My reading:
3 h 59 min
